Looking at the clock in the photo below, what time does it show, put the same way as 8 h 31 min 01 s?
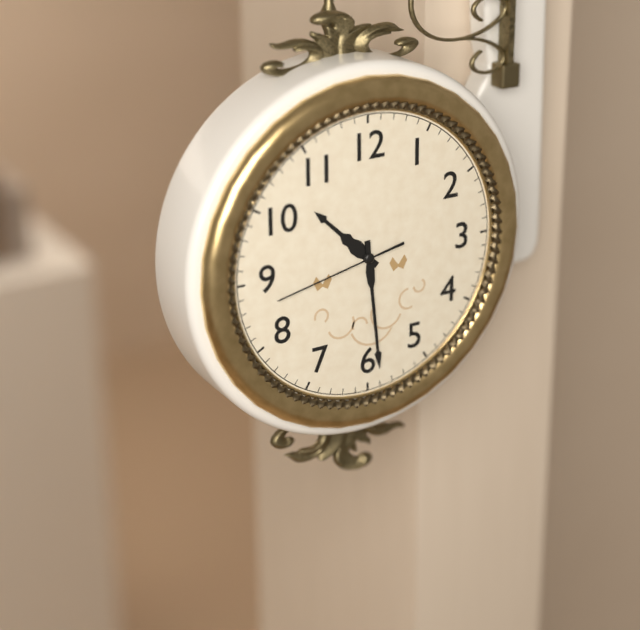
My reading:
10 h 29 min 43 s
